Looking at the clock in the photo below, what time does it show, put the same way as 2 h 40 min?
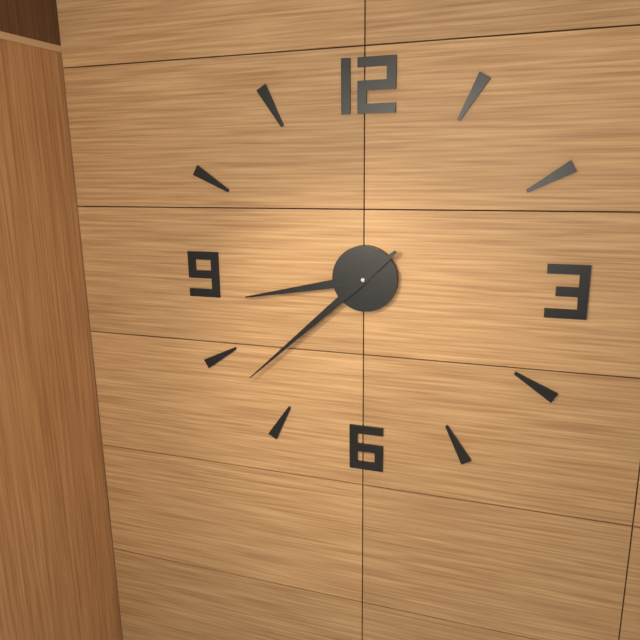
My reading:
8 h 38 min
